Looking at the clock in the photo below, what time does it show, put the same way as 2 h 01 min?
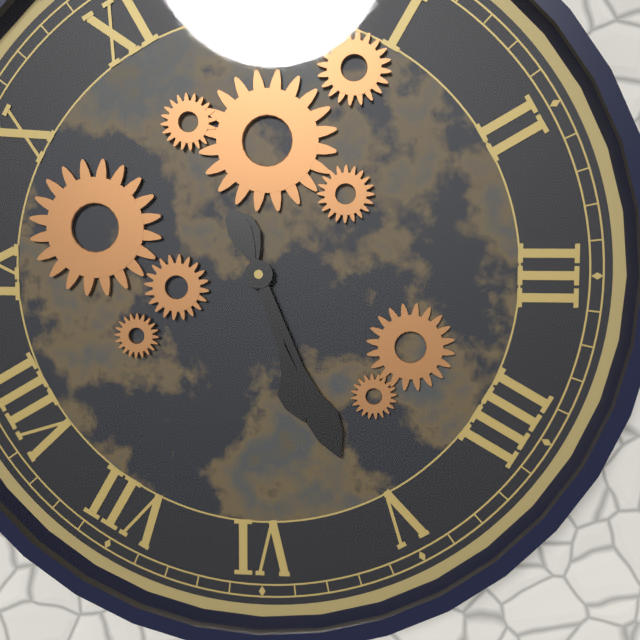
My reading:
5 h 26 min
